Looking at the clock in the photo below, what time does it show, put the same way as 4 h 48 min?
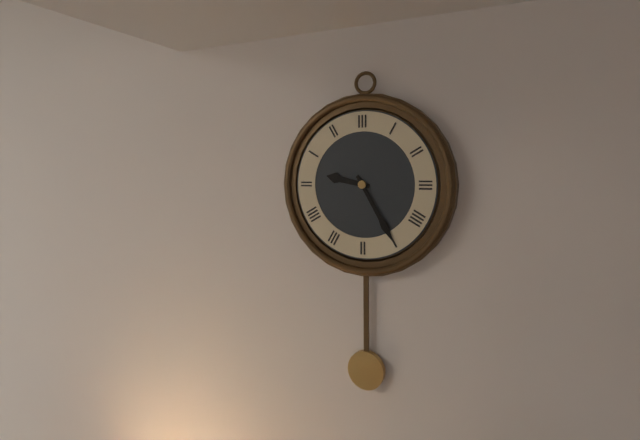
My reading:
9 h 25 min
